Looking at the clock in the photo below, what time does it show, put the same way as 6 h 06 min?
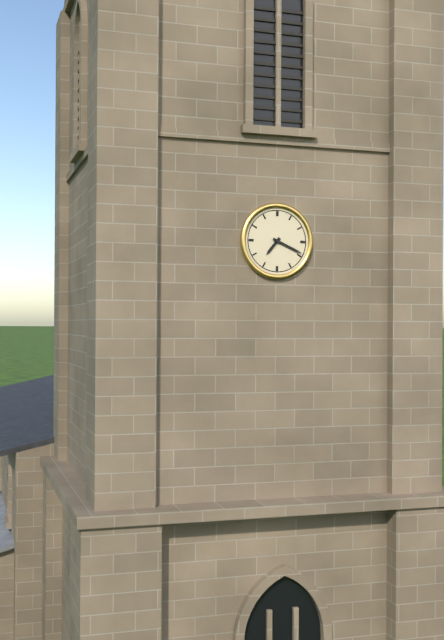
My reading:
7 h 19 min
